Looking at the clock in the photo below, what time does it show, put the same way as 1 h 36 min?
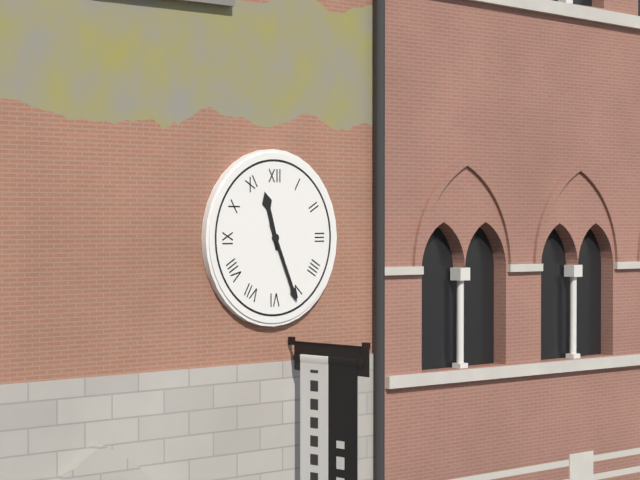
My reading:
11 h 26 min
